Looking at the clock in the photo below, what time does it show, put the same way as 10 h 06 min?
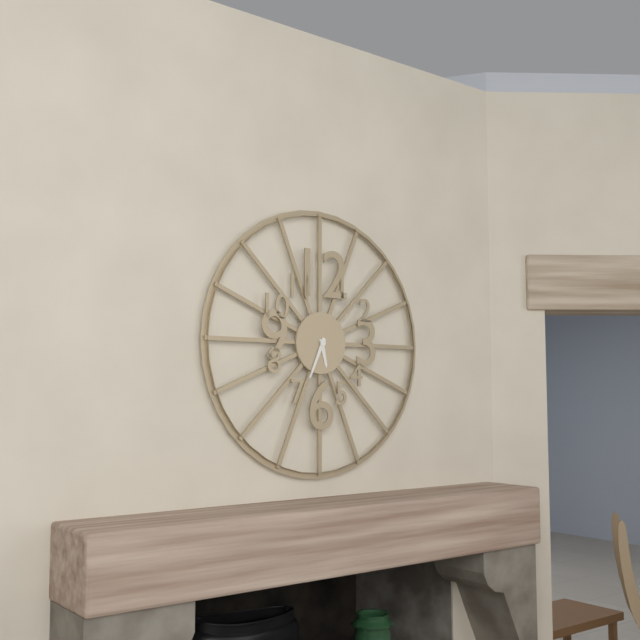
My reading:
5 h 34 min
